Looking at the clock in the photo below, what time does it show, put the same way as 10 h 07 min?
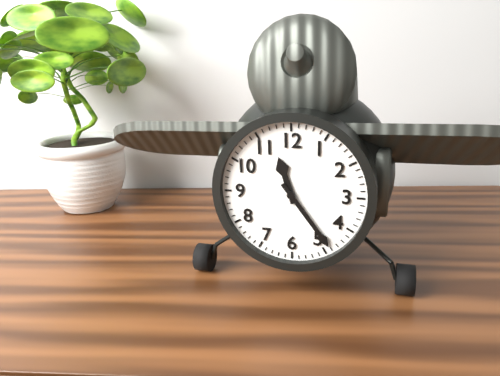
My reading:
11 h 24 min
